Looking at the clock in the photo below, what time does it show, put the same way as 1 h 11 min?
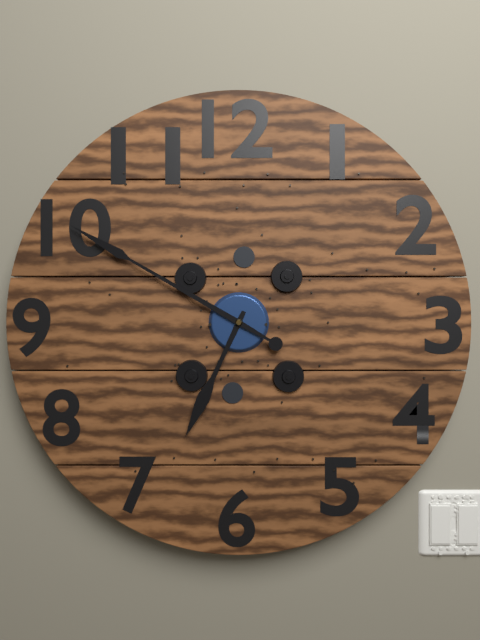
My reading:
6 h 50 min
